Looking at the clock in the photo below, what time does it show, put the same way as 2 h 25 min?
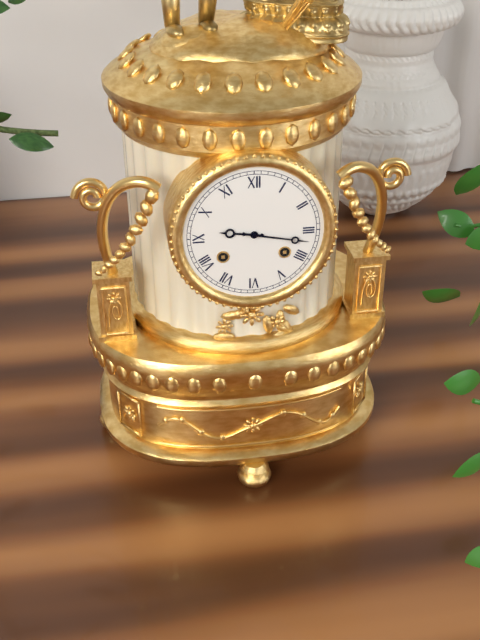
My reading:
9 h 17 min
